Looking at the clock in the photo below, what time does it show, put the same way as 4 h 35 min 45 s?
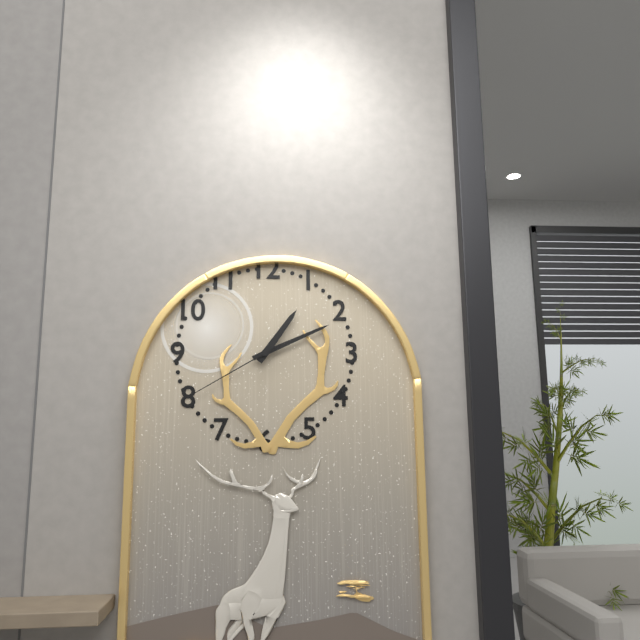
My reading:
1 h 11 min 40 s
